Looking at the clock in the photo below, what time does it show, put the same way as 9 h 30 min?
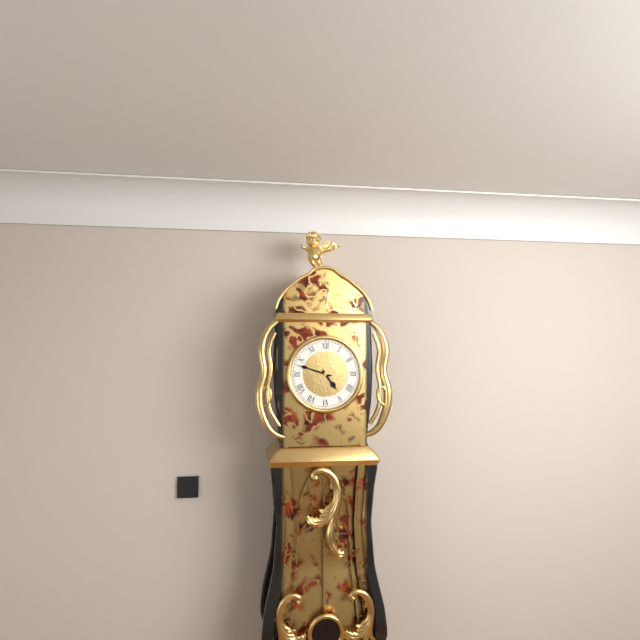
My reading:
4 h 48 min
